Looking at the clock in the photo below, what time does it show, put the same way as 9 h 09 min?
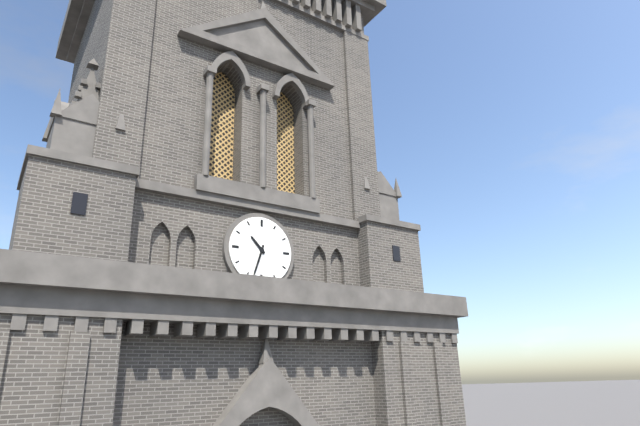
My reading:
10 h 33 min
